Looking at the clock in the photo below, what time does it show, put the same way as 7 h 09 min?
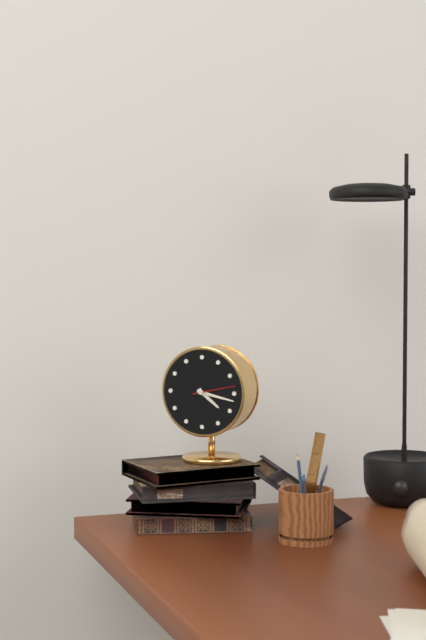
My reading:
4 h 17 min
